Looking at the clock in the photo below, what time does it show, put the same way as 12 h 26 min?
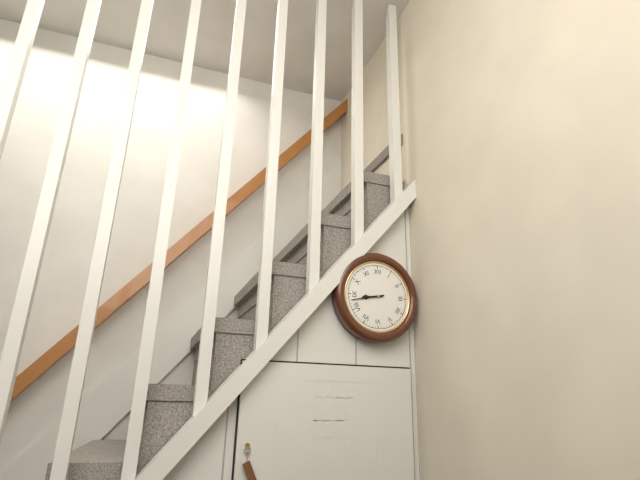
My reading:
8 h 43 min
